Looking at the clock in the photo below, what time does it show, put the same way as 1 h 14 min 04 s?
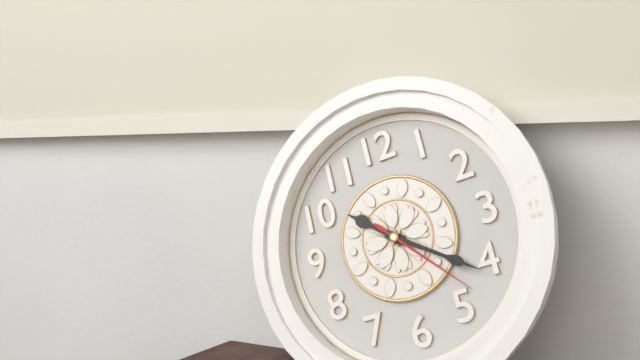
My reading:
10 h 21 min 23 s
